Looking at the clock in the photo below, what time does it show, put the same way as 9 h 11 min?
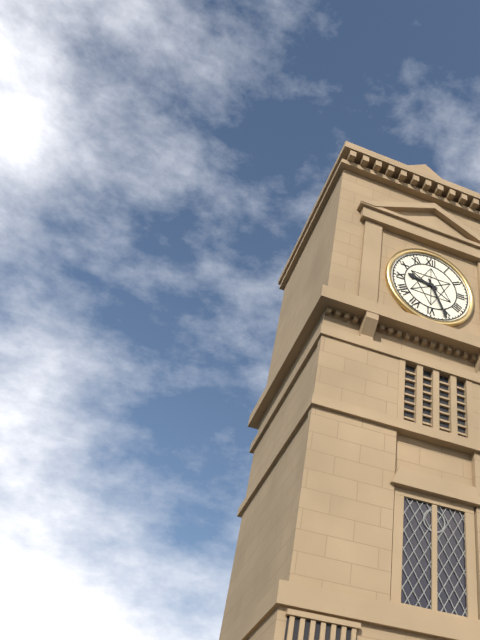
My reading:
9 h 26 min
